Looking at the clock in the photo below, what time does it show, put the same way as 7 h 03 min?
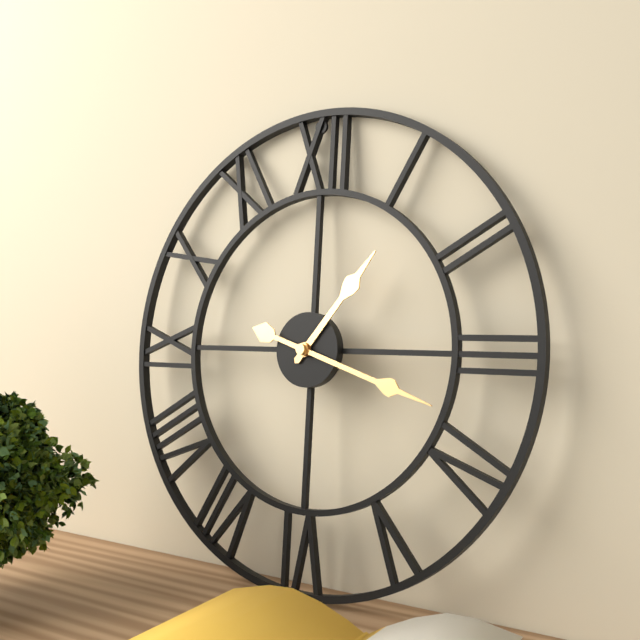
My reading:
1 h 18 min
